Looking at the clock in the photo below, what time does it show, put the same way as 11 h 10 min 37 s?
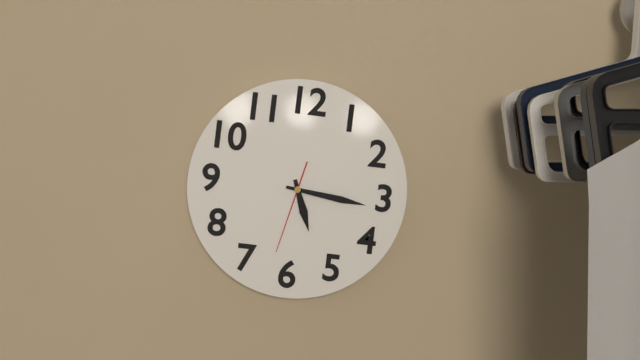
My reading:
5 h 16 min 32 s
